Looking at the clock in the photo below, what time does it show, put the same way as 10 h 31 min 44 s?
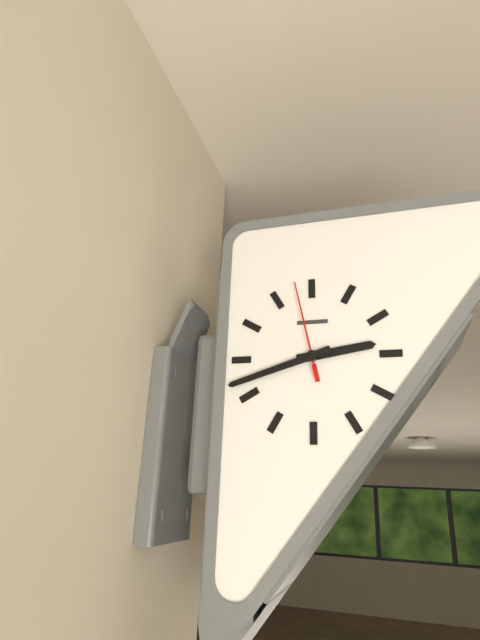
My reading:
2 h 42 min 58 s
